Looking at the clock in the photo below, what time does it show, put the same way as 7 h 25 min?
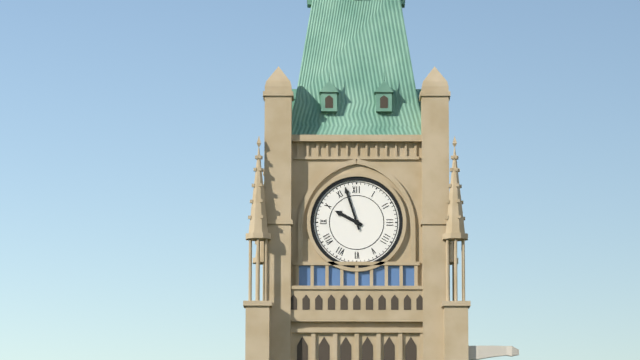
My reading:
9 h 57 min
